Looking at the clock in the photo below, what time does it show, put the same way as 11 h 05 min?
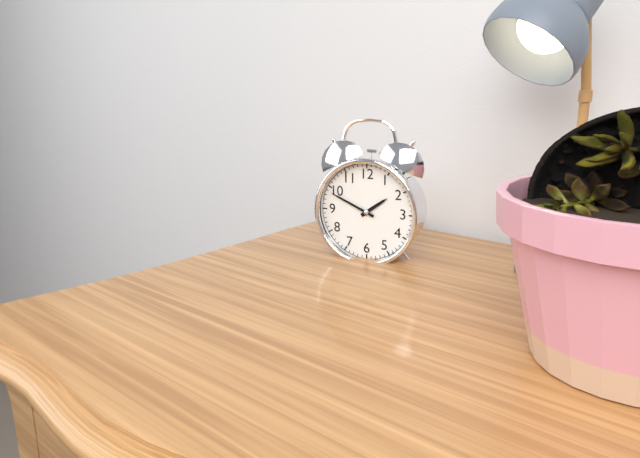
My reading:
1 h 49 min
